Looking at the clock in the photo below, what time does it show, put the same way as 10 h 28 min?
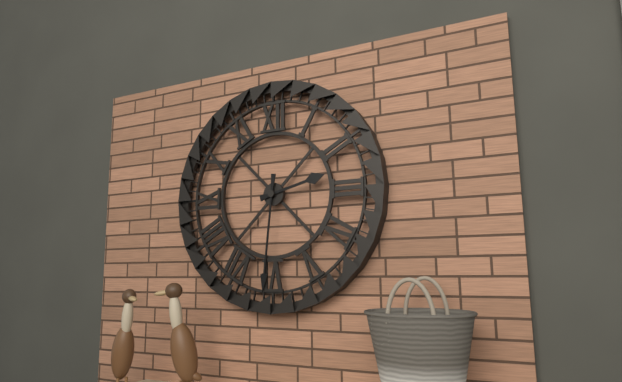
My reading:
2 h 31 min
